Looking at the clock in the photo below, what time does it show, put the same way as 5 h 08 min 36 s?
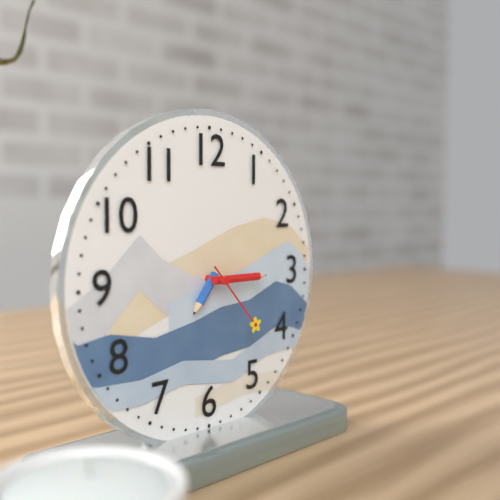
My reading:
7 h 15 min 23 s
